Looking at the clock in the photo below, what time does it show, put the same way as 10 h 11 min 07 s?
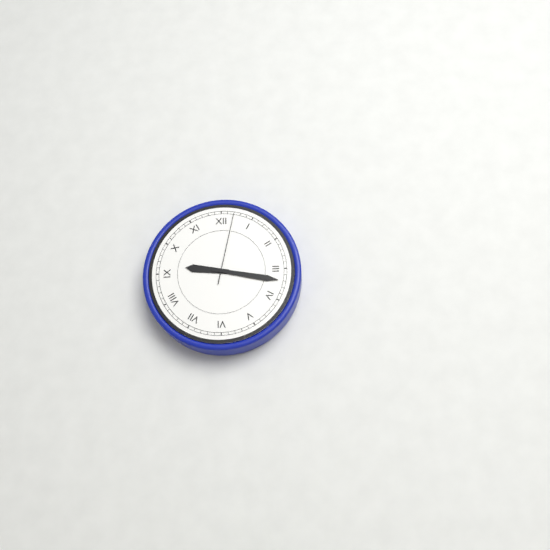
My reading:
9 h 17 min 02 s
